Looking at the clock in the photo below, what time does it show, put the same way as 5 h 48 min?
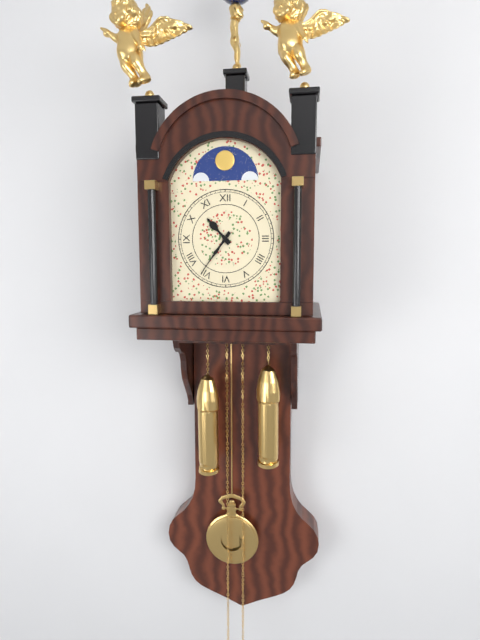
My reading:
10 h 36 min
